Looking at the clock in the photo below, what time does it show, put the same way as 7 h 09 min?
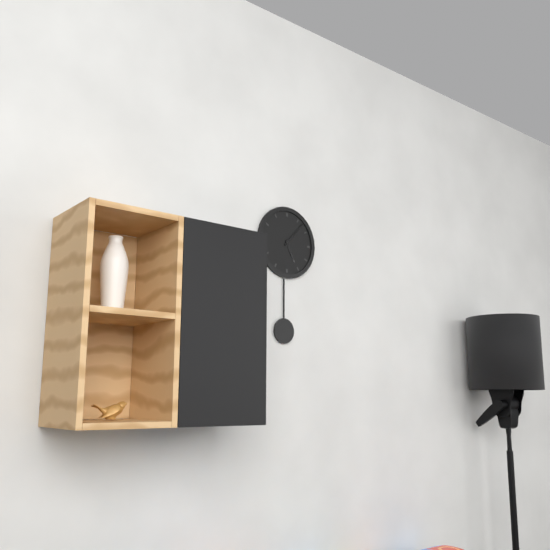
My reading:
5 h 07 min
